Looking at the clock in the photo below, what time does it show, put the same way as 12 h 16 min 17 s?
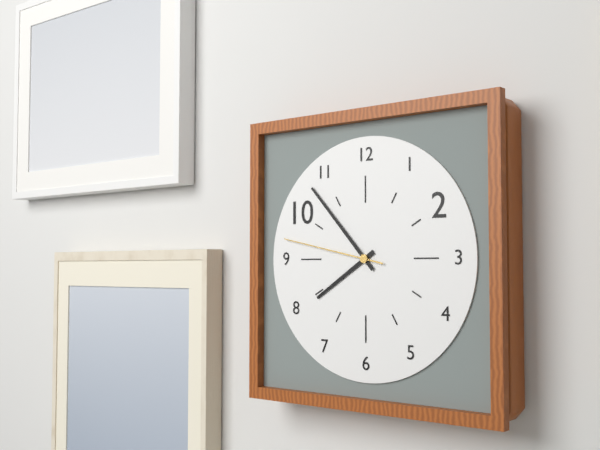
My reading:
7 h 53 min 47 s
